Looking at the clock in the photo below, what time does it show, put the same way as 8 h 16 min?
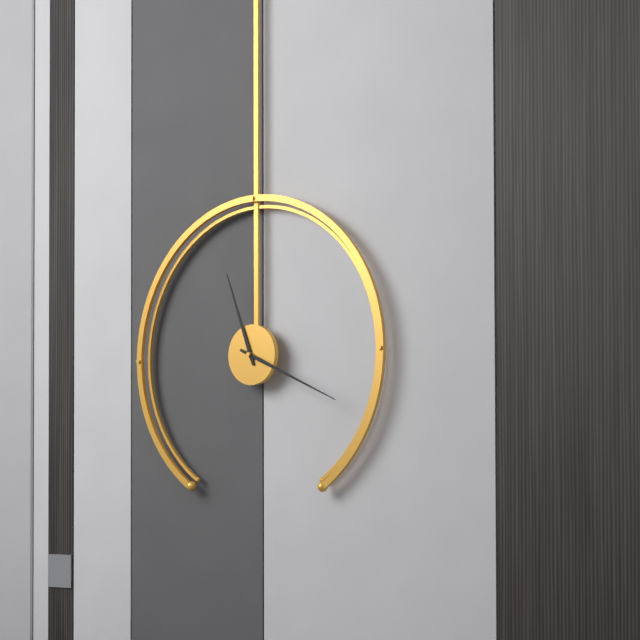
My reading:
11 h 19 min
